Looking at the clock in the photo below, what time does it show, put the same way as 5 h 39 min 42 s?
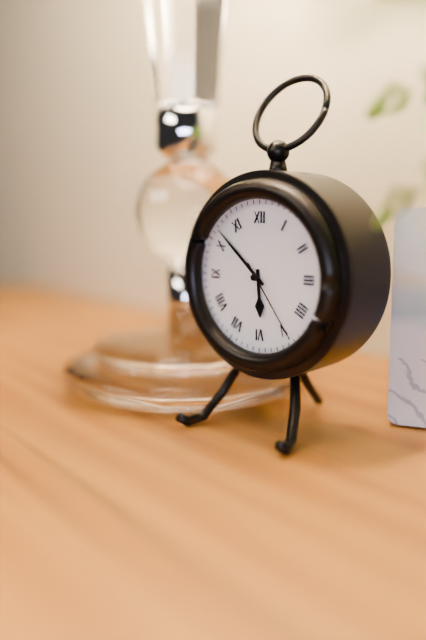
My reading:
5 h 52 min 24 s
